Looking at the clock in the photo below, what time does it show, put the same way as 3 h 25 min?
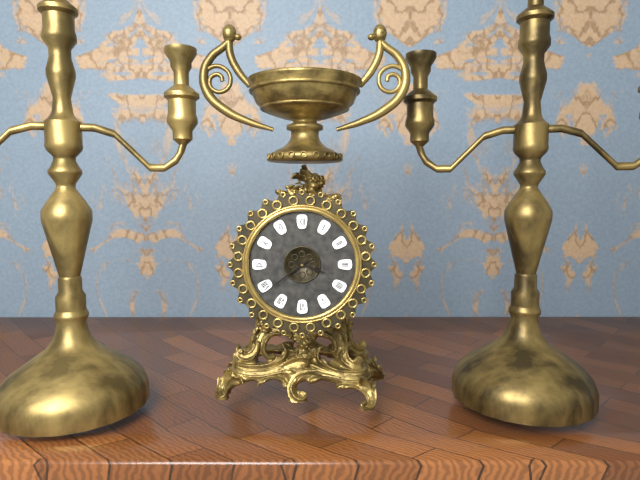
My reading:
3 h 39 min
